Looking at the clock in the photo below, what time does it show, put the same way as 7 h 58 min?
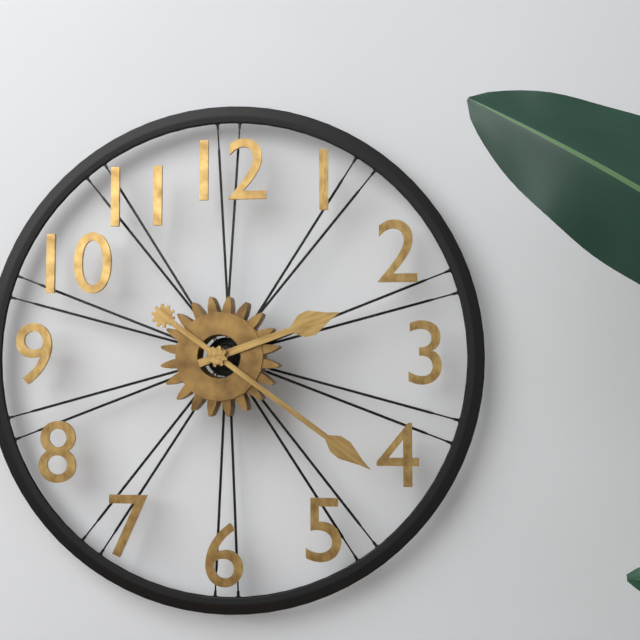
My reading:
2 h 21 min
